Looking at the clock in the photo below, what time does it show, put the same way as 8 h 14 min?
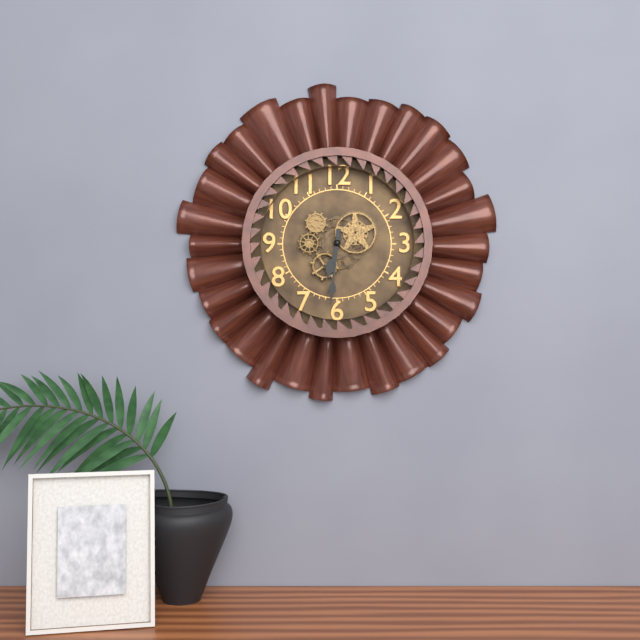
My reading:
6 h 31 min
